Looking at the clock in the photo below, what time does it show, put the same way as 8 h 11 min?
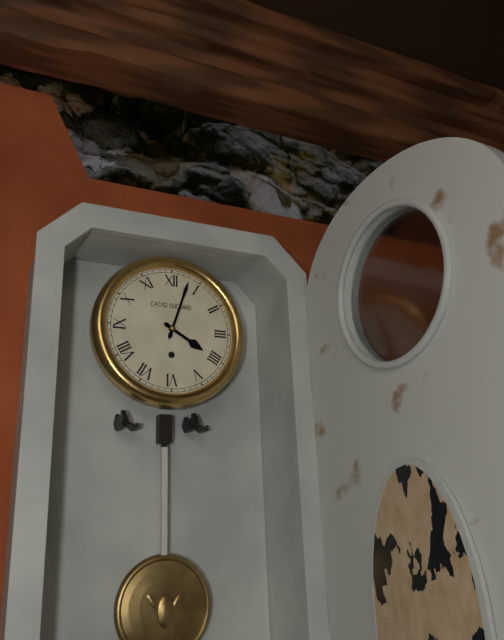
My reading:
4 h 03 min
